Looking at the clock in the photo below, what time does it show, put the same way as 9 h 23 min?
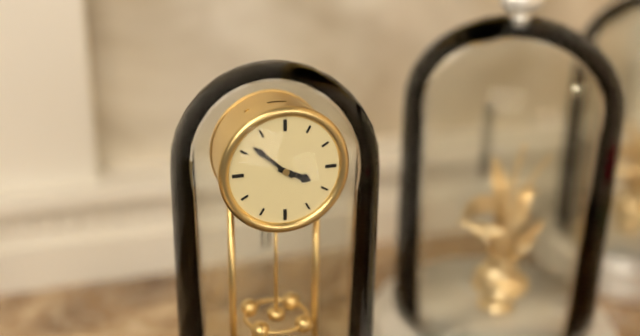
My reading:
3 h 52 min
